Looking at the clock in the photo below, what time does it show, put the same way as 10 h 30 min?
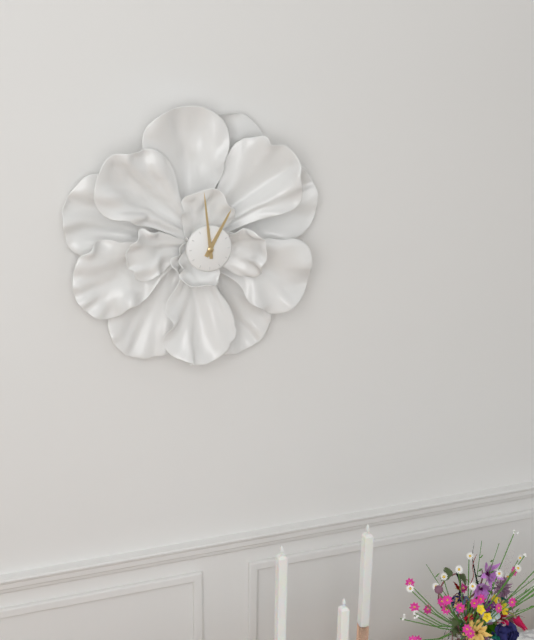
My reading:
12 h 59 min
